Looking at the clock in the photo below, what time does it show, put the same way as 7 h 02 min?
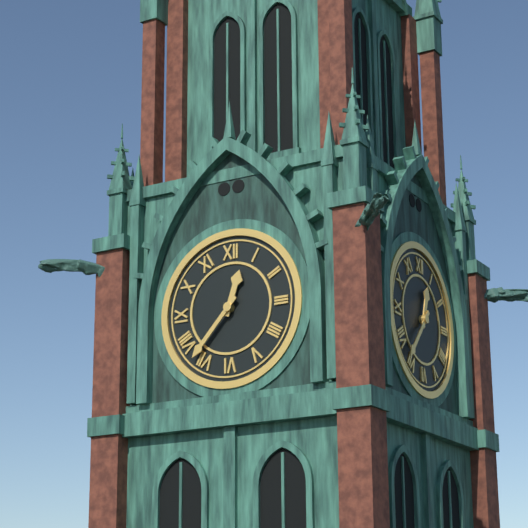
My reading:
12 h 37 min
